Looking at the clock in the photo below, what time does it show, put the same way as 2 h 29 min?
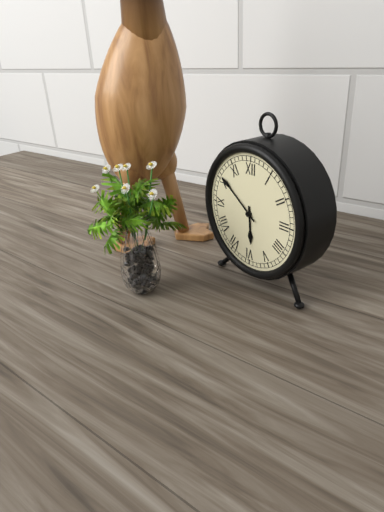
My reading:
5 h 51 min
